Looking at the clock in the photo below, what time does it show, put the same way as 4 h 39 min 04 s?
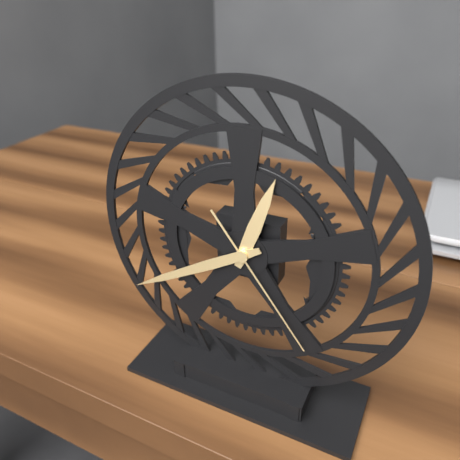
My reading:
12 h 40 min 24 s
